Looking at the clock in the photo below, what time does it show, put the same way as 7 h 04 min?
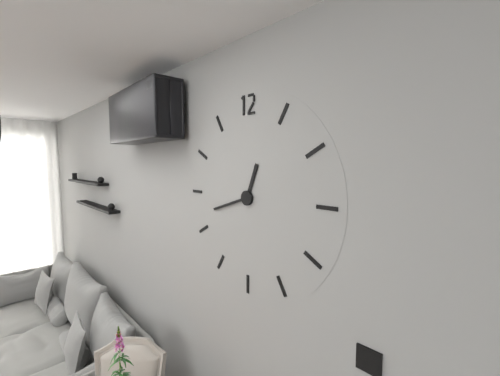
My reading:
12 h 42 min
